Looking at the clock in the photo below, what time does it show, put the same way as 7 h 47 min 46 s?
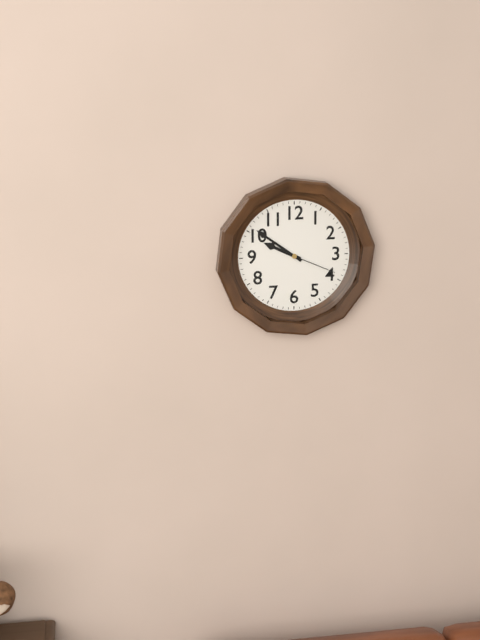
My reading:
9 h 51 min 19 s
